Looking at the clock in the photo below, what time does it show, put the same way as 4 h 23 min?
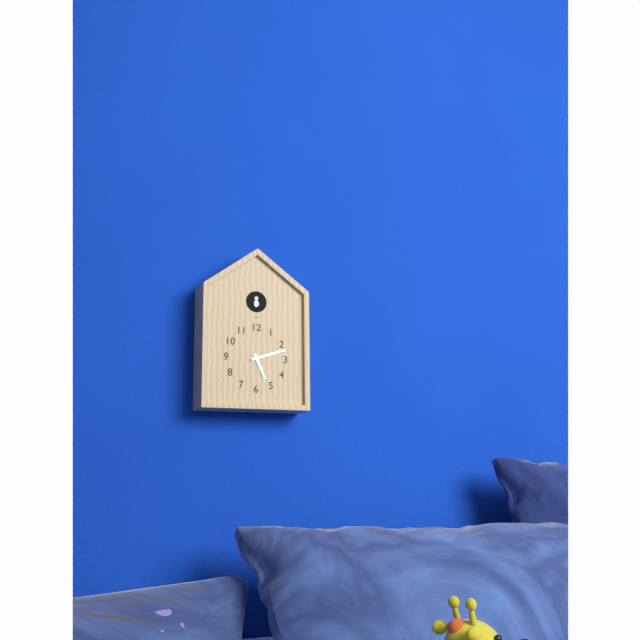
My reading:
5 h 12 min
